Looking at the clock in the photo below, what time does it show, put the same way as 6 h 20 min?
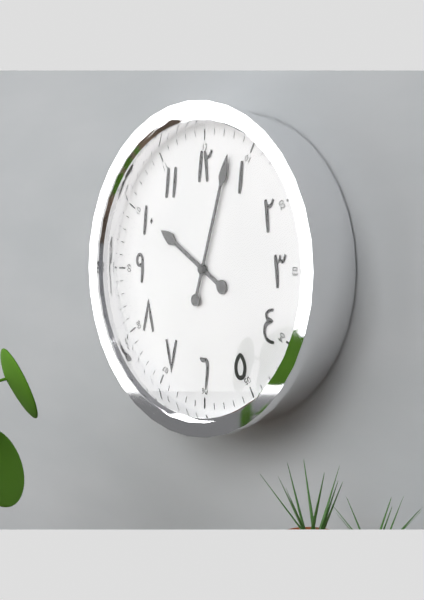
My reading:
10 h 03 min
